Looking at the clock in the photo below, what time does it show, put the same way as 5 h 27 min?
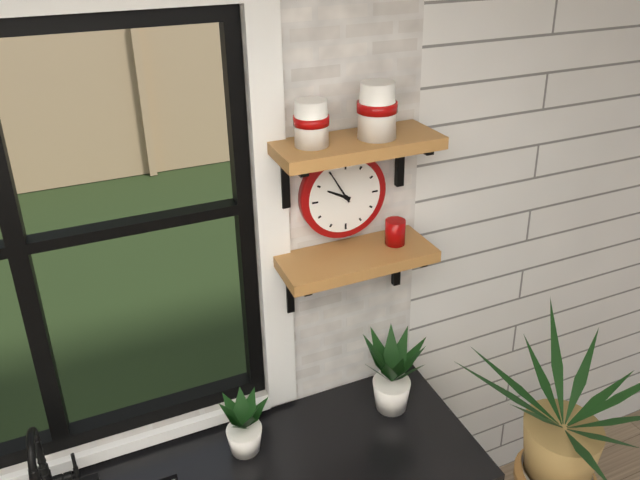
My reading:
9 h 55 min
